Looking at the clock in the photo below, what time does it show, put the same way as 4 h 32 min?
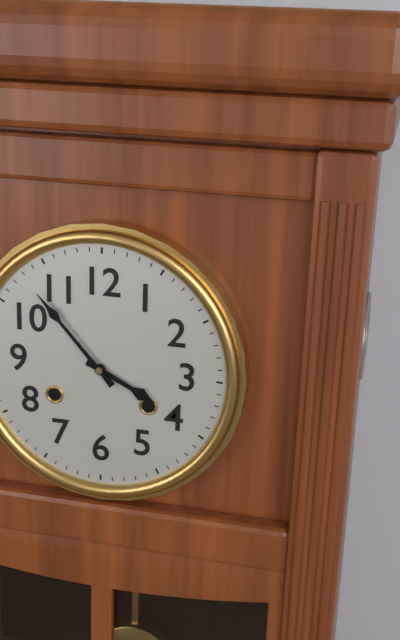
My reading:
3 h 53 min
